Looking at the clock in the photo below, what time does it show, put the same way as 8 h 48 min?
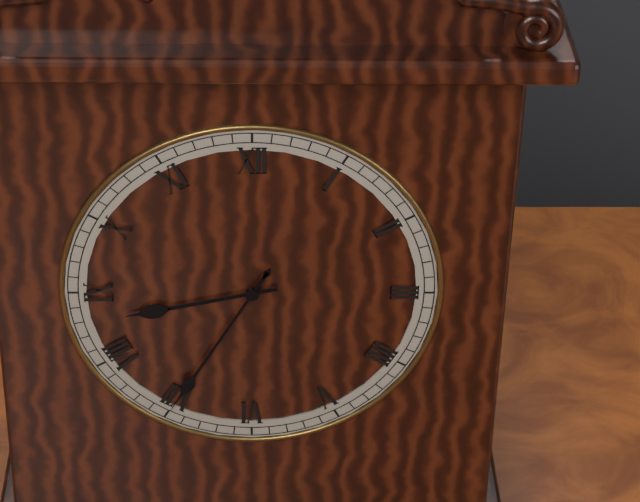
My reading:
8 h 35 min
